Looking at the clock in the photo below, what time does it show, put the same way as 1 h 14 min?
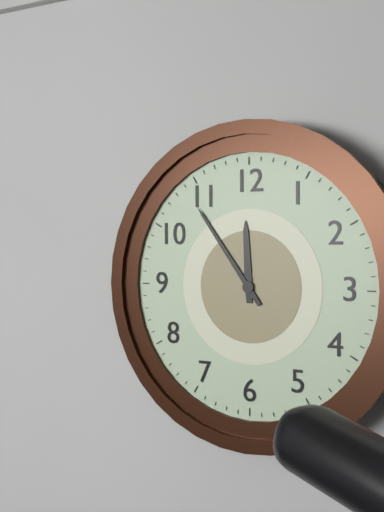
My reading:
11 h 54 min
